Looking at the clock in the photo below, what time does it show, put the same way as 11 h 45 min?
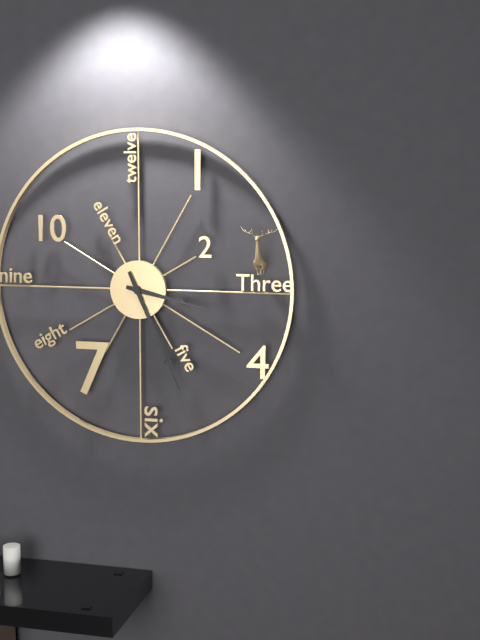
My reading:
3 h 26 min
